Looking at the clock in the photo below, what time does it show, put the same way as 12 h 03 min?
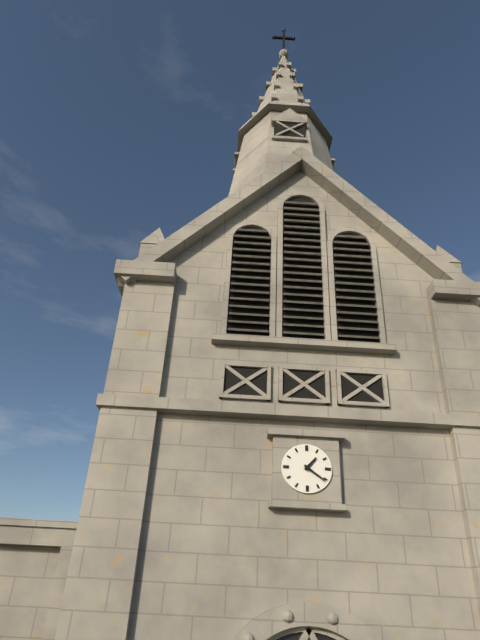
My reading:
1 h 21 min
